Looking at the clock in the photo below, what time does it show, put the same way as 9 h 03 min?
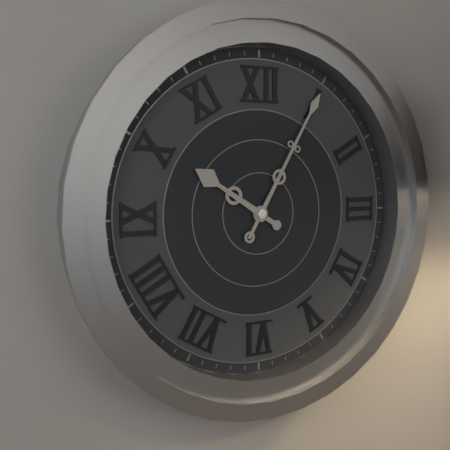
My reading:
10 h 05 min
